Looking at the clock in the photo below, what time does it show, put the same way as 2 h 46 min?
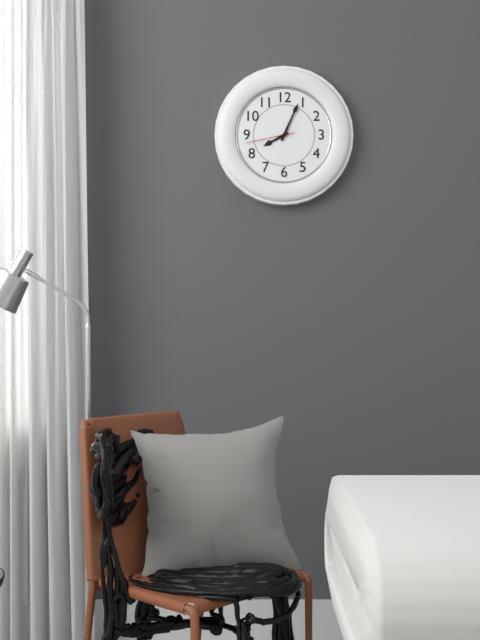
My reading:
8 h 04 min
